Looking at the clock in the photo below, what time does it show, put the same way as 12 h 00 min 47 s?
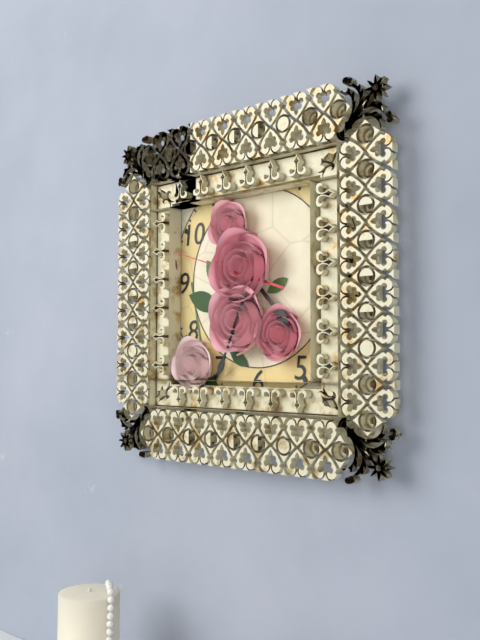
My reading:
4 h 34 min 48 s
